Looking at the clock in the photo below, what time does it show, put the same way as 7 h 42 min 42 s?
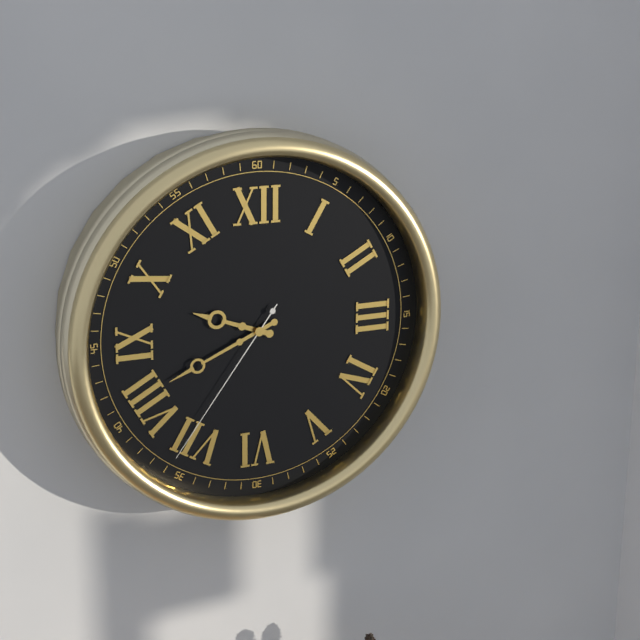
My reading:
9 h 41 min 36 s
